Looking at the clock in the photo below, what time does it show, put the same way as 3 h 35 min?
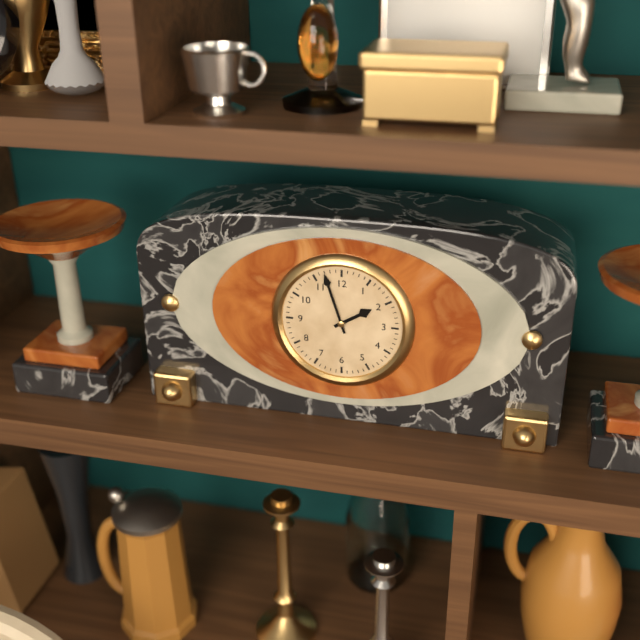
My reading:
1 h 57 min
